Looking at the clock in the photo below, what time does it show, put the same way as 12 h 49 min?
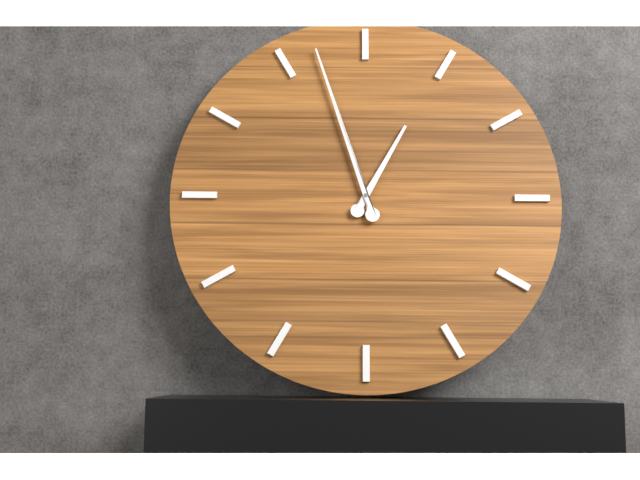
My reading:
12 h 57 min
